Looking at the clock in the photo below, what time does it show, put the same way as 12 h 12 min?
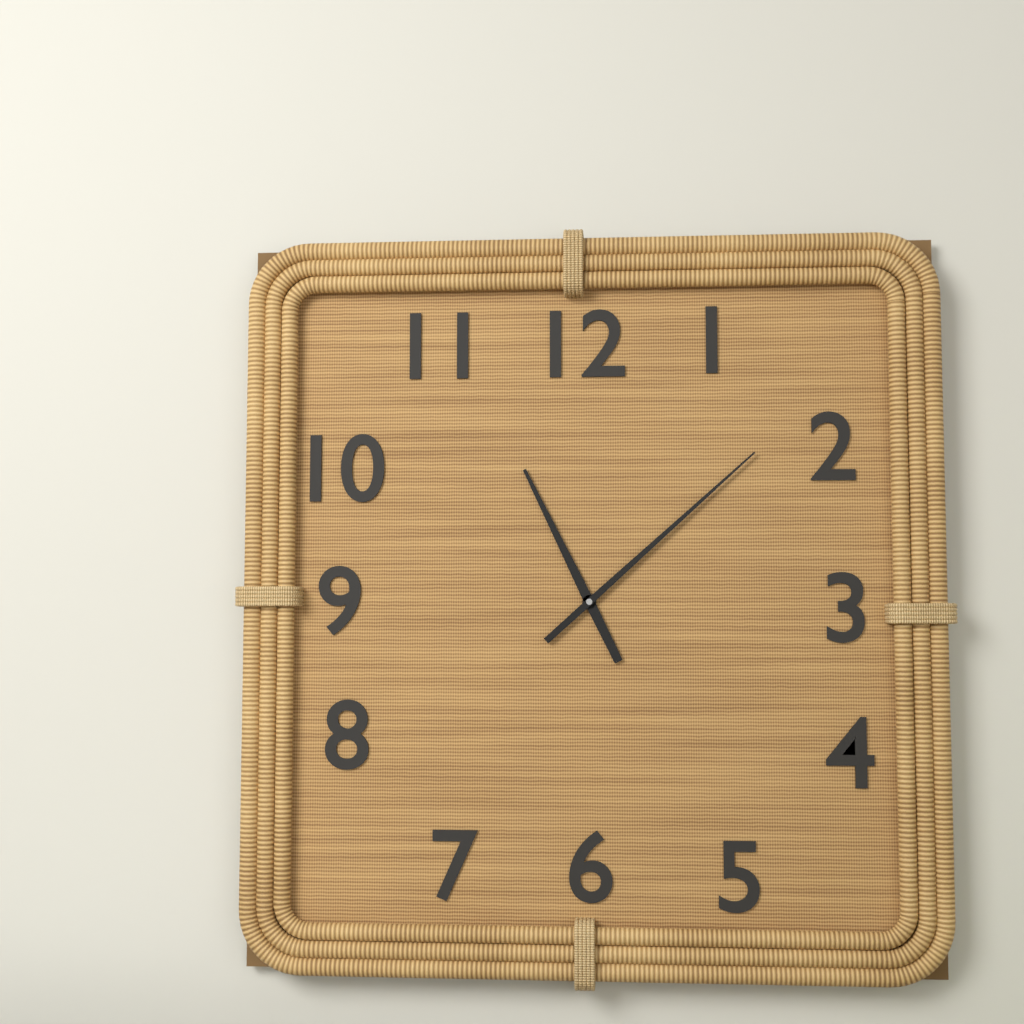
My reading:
11 h 08 min
